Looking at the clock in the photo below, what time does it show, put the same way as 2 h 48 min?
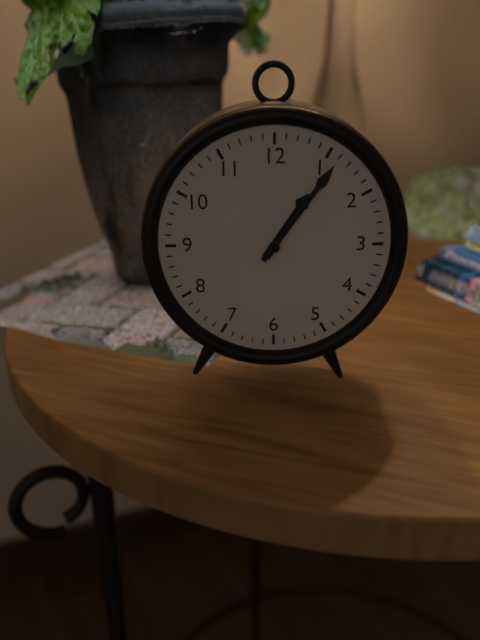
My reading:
1 h 06 min
